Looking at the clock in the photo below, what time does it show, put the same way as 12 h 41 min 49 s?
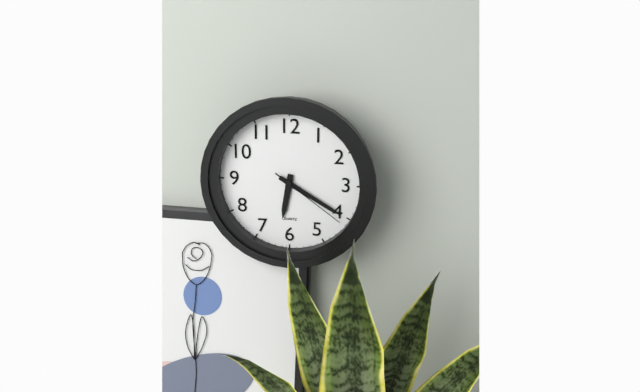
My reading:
6 h 20 min 21 s
